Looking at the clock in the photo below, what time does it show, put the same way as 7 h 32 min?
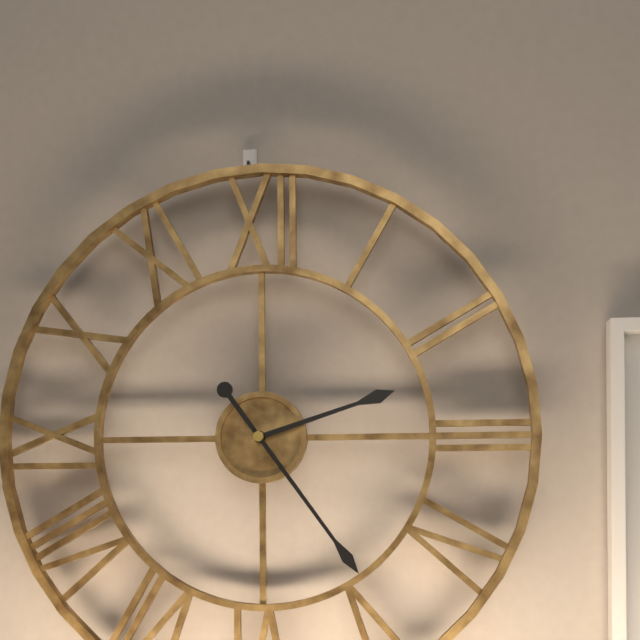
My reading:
2 h 24 min
